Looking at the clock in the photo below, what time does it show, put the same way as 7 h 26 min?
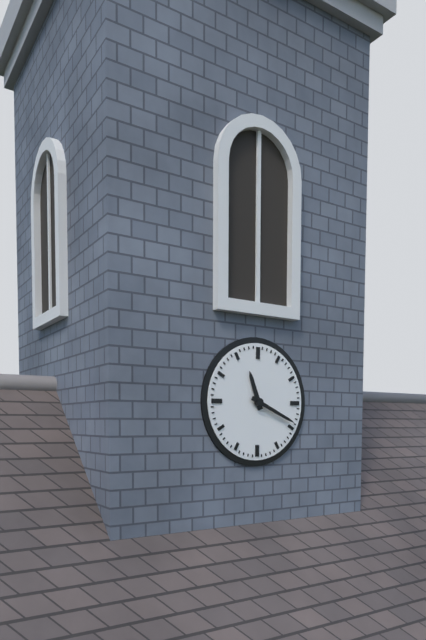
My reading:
11 h 19 min
